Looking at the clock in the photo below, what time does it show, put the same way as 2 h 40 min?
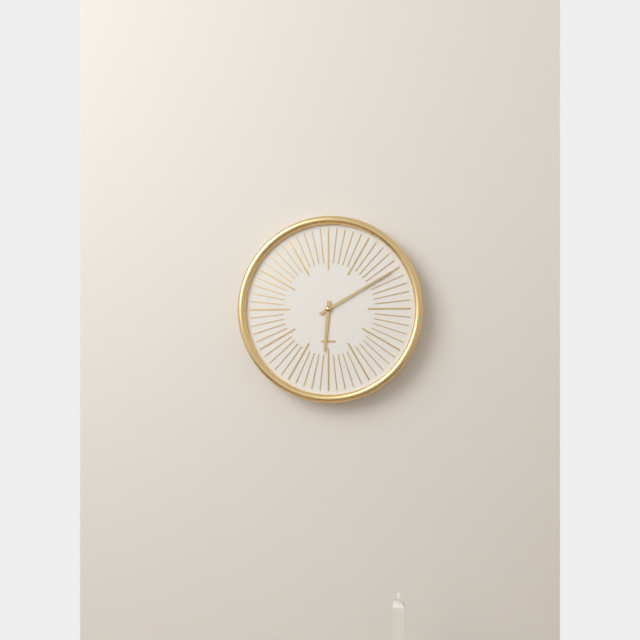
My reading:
6 h 10 min
